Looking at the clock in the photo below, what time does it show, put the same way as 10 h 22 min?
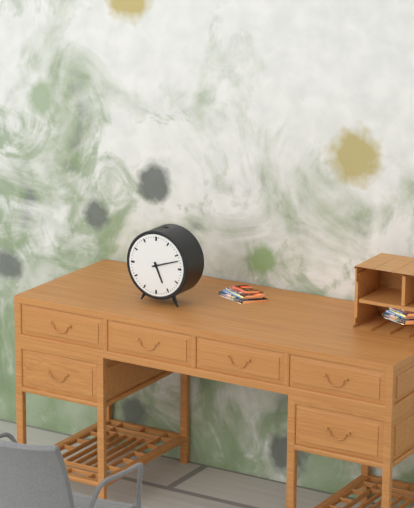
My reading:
5 h 12 min
